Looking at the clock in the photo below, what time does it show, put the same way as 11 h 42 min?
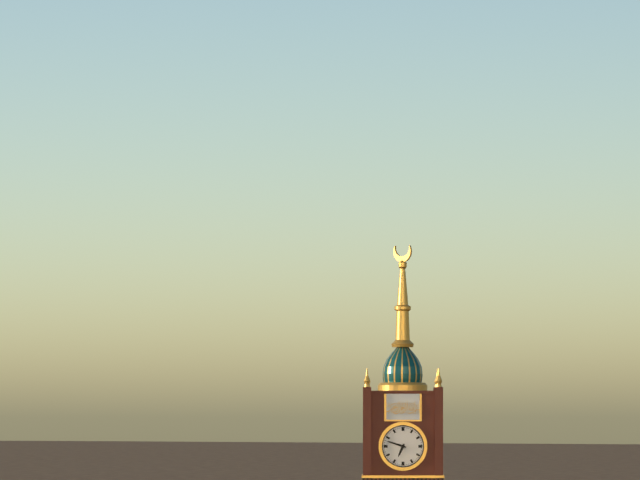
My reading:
6 h 48 min
